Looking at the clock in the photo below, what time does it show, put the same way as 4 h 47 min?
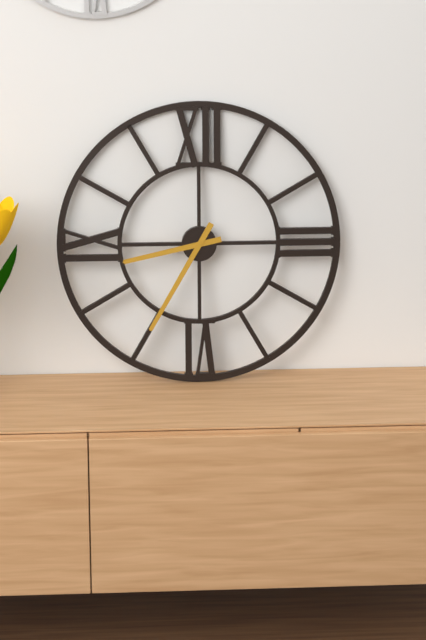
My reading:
8 h 35 min
